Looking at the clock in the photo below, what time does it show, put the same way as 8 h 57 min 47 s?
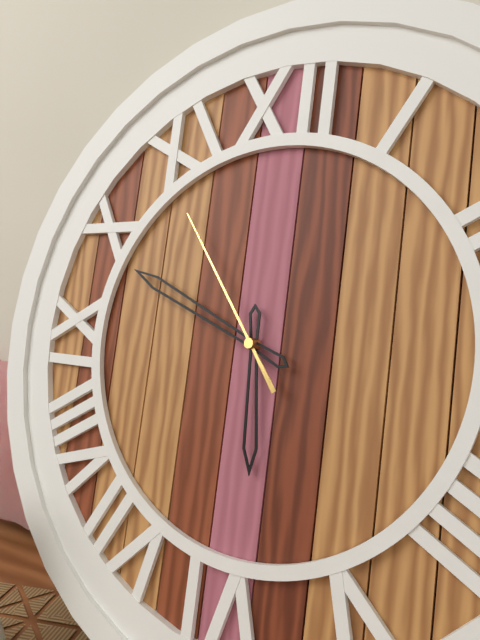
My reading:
5 h 49 min 54 s
